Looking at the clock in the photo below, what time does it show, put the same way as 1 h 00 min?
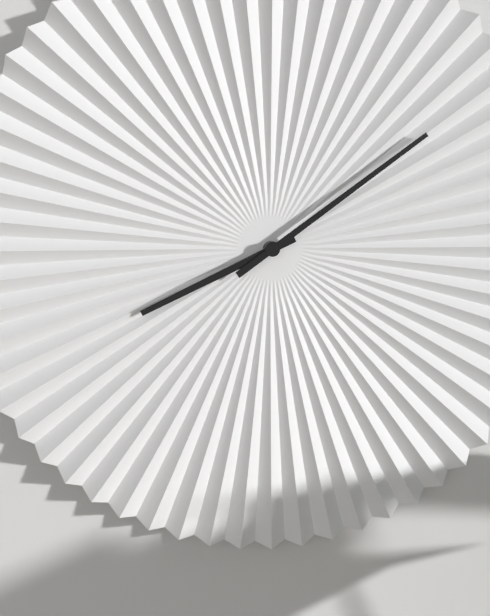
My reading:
8 h 09 min
